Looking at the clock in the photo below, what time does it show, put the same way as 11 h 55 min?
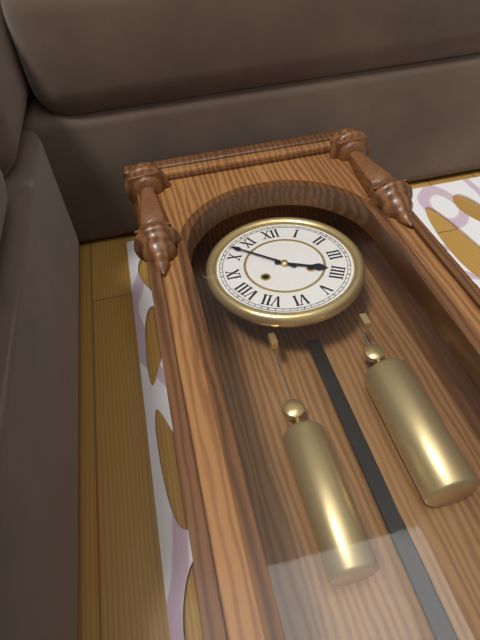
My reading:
3 h 52 min
